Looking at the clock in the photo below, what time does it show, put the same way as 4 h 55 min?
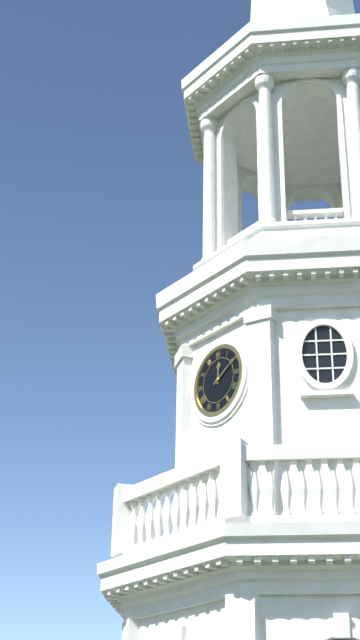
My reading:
12 h 10 min
